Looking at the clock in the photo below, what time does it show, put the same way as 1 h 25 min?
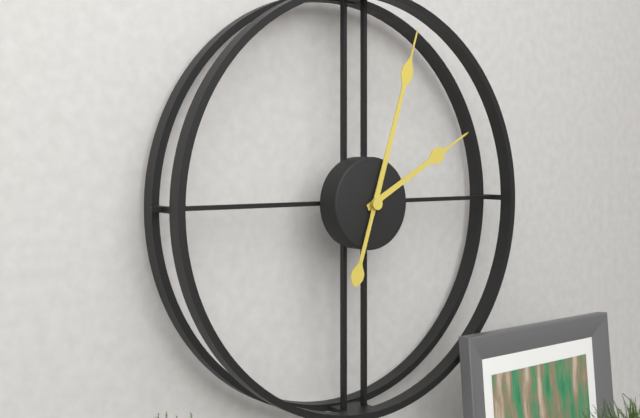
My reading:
2 h 03 min
